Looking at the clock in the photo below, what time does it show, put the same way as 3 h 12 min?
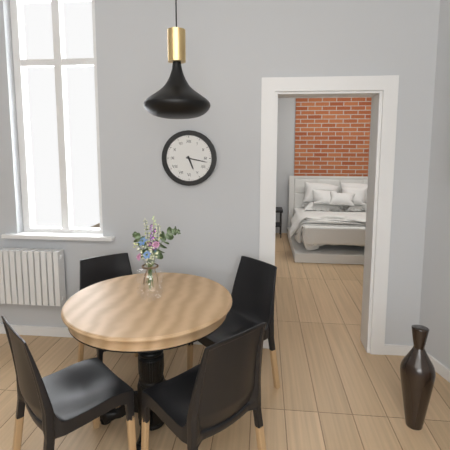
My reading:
5 h 17 min
